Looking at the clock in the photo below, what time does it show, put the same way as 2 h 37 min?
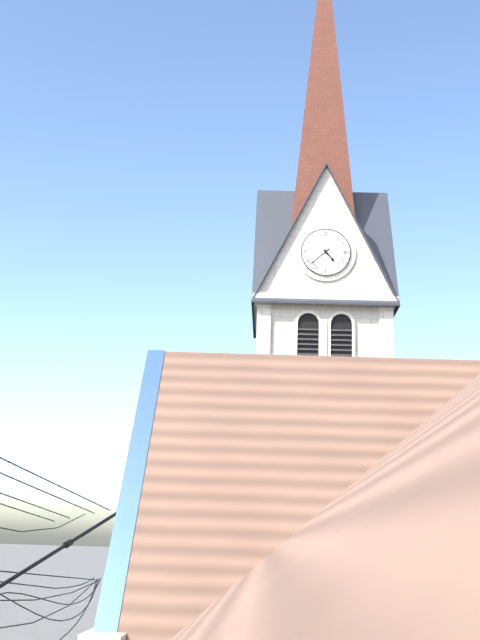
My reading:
4 h 38 min
